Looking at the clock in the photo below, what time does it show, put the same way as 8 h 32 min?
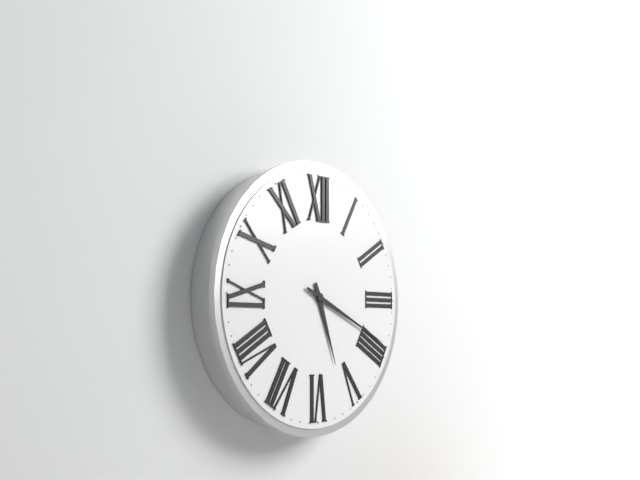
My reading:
5 h 19 min
